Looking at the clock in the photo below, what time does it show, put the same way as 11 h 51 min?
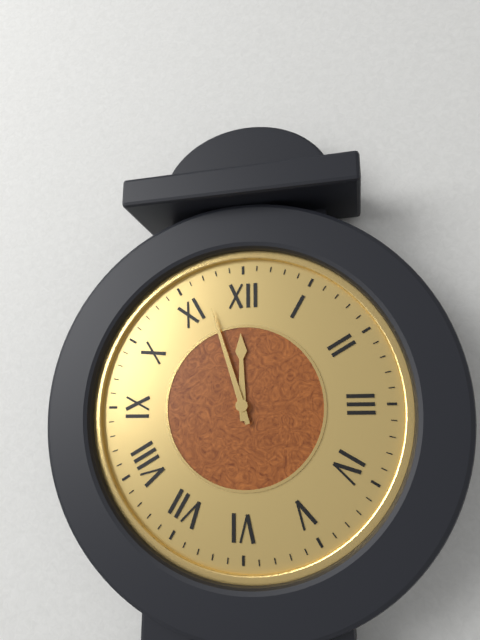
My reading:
11 h 57 min
